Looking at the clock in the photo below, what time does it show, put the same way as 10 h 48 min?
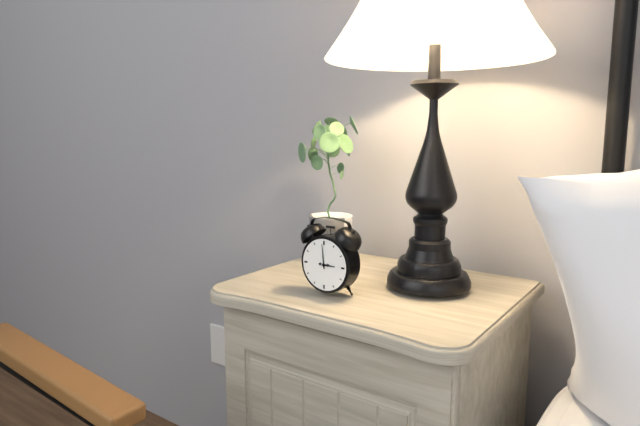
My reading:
2 h 59 min
